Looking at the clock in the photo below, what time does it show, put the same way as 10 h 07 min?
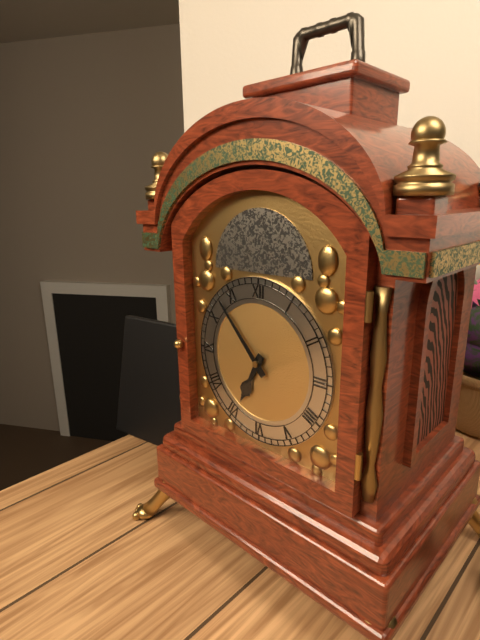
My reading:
6 h 53 min
